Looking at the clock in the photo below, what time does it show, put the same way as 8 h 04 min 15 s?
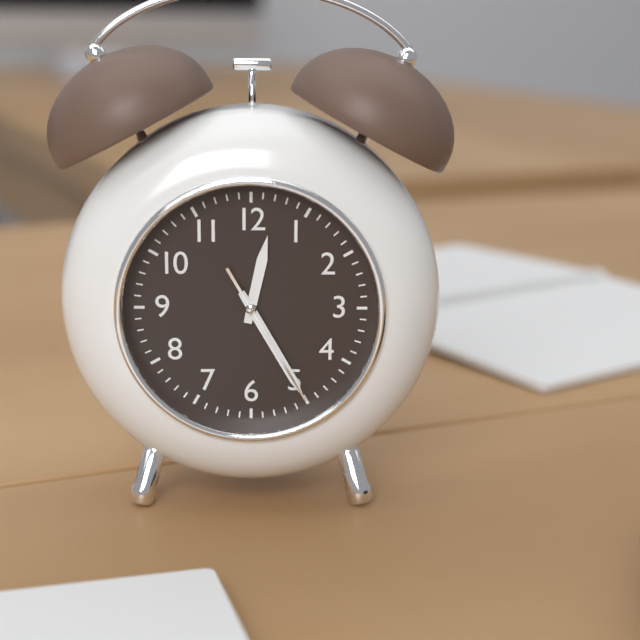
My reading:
12 h 25 min 25 s
